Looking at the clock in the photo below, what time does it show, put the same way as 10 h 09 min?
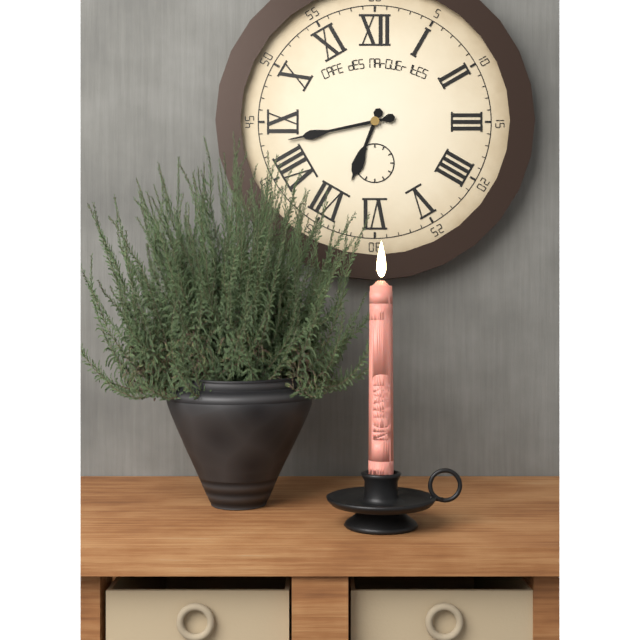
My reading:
6 h 43 min
